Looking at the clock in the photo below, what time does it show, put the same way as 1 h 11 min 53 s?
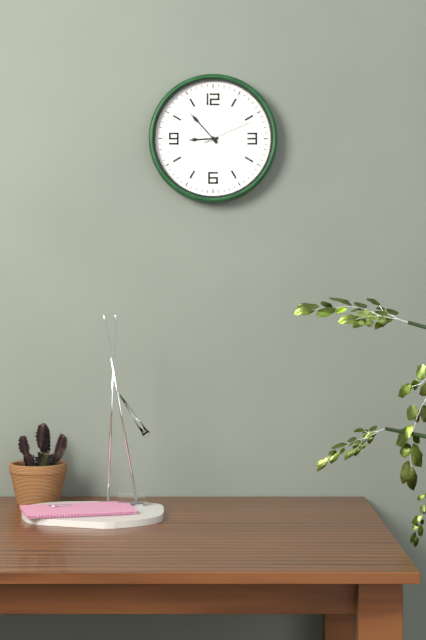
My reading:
8 h 53 min 11 s
